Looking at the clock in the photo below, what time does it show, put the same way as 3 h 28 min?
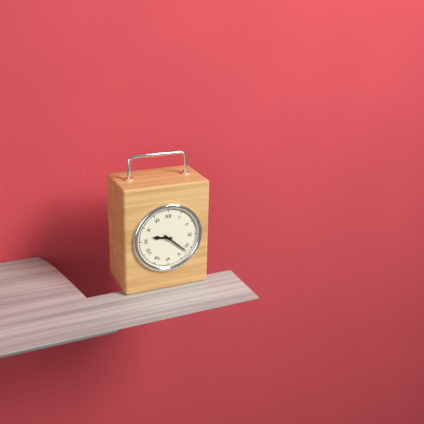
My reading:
9 h 22 min
